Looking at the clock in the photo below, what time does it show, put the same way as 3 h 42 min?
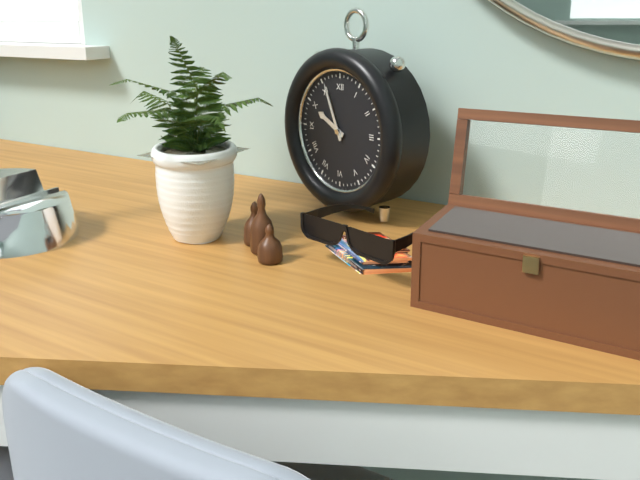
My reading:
9 h 56 min
